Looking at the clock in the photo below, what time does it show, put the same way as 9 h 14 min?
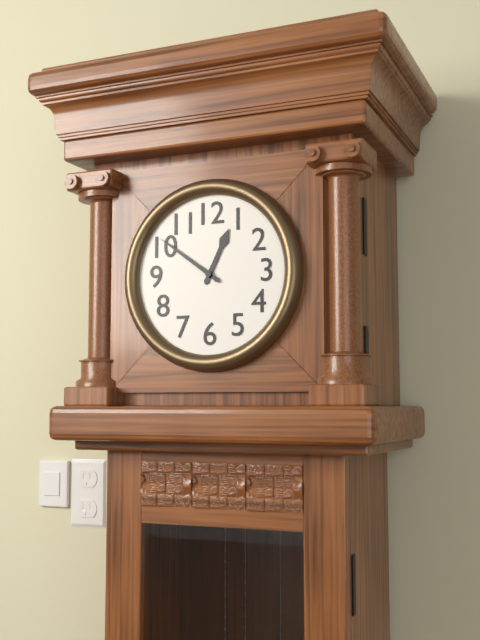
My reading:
12 h 51 min
